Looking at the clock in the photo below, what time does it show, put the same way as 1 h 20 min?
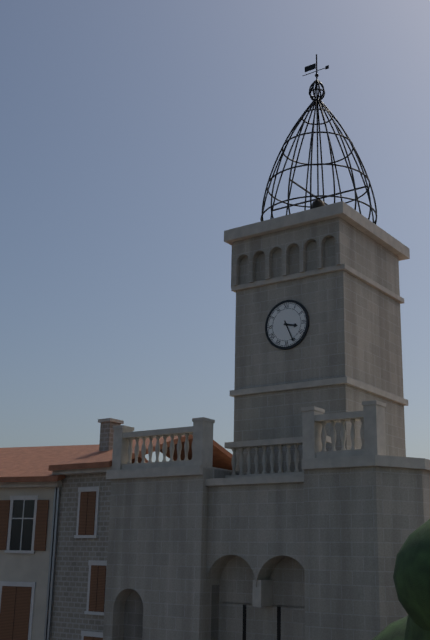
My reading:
3 h 26 min
